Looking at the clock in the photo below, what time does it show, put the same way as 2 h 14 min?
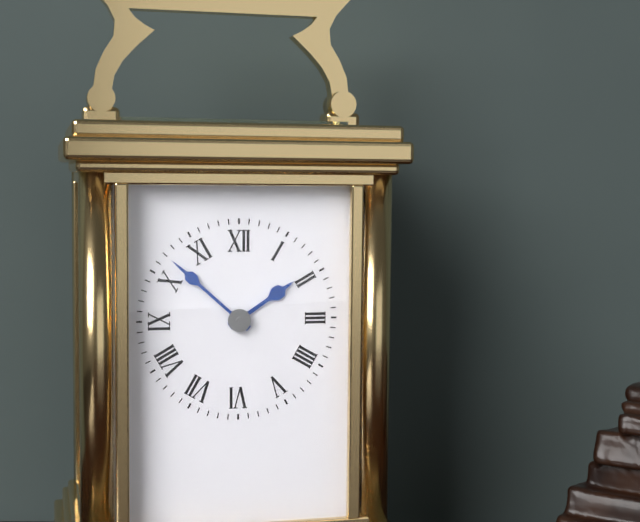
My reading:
1 h 52 min
